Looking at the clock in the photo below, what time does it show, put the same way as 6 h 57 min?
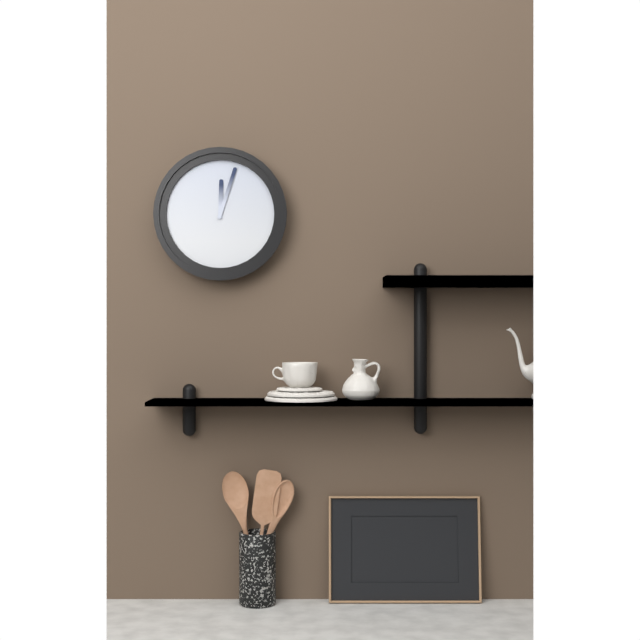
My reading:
12 h 03 min
